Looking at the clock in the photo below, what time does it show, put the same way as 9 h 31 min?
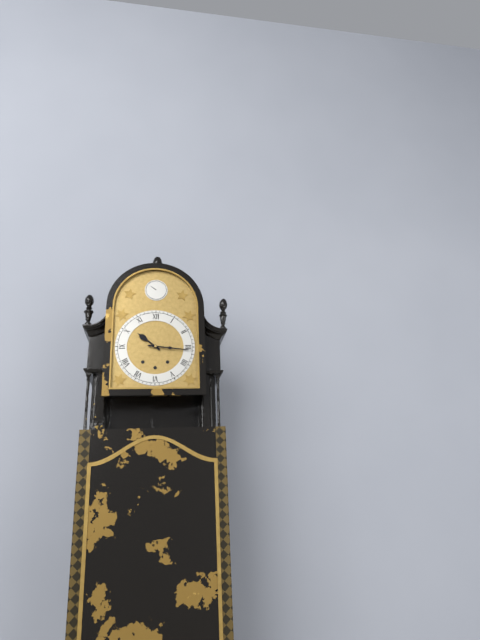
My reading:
10 h 16 min
